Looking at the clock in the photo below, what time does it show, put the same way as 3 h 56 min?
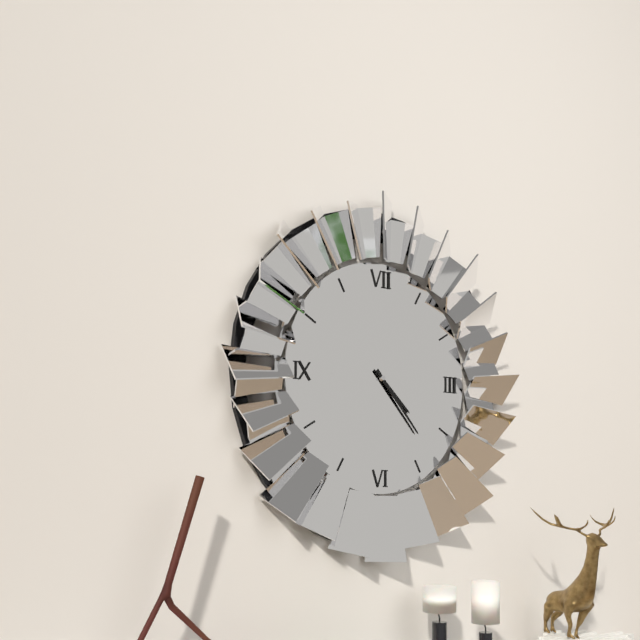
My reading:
4 h 23 min
